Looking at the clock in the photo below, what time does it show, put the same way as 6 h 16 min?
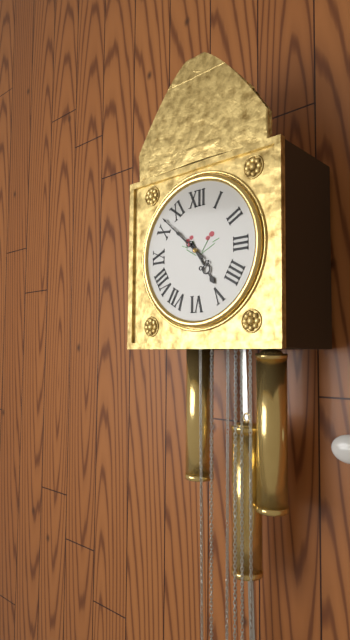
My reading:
4 h 52 min
